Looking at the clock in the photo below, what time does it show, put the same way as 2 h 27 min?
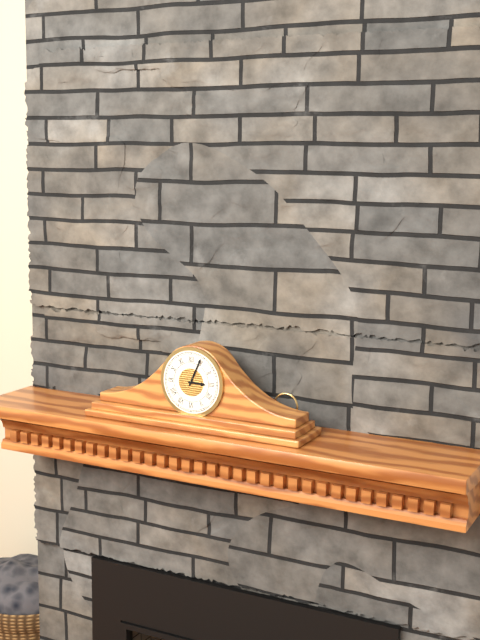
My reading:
3 h 04 min
